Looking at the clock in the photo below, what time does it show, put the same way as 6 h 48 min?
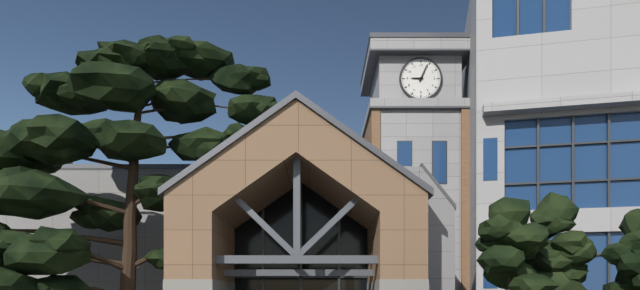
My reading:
9 h 04 min
